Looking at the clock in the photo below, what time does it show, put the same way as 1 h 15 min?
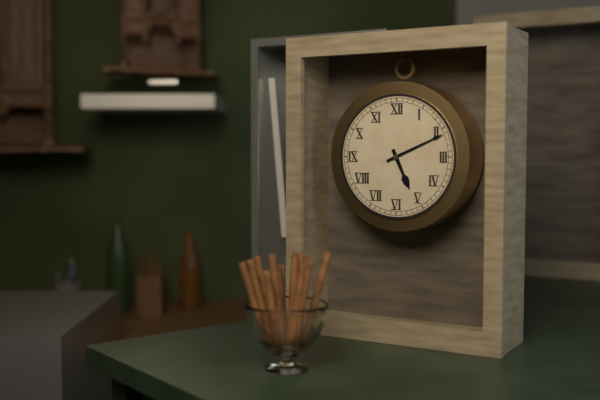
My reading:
5 h 11 min
